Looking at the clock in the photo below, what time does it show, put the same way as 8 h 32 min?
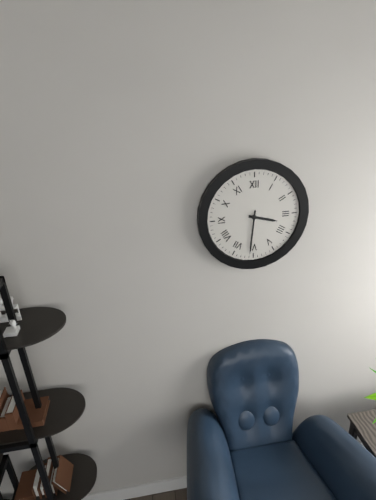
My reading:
3 h 31 min
